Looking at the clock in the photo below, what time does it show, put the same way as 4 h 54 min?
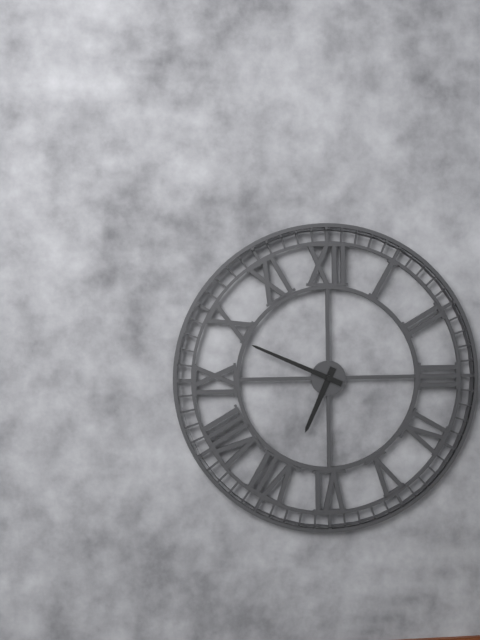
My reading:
6 h 49 min
